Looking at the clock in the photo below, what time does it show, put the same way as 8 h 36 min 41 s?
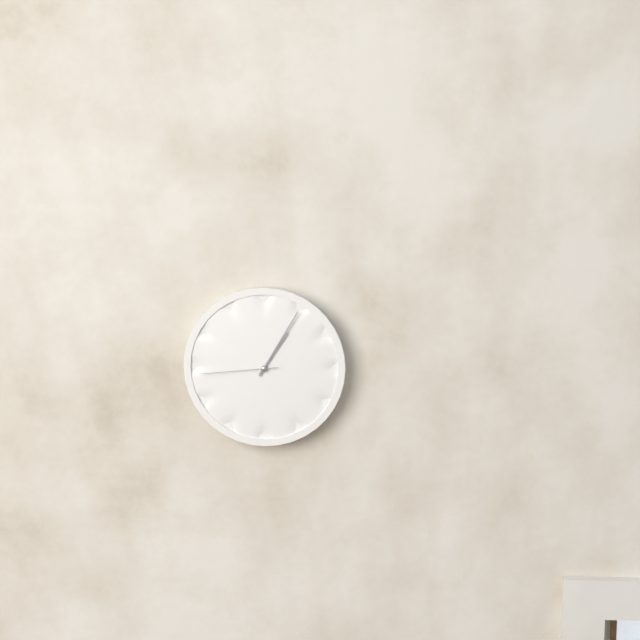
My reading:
1 h 05 min 44 s
